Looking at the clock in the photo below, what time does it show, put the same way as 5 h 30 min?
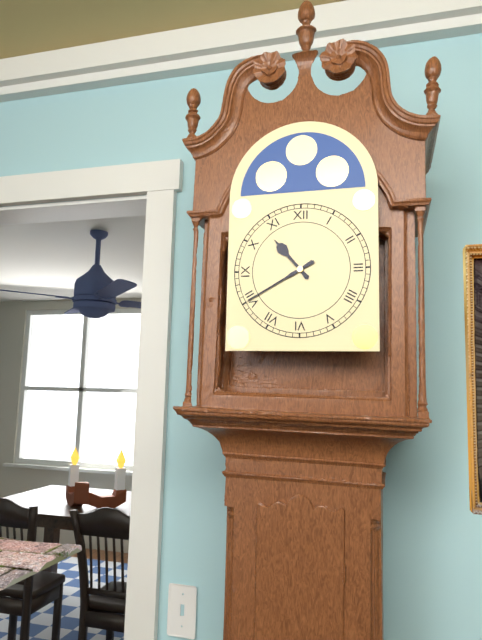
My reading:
10 h 40 min
